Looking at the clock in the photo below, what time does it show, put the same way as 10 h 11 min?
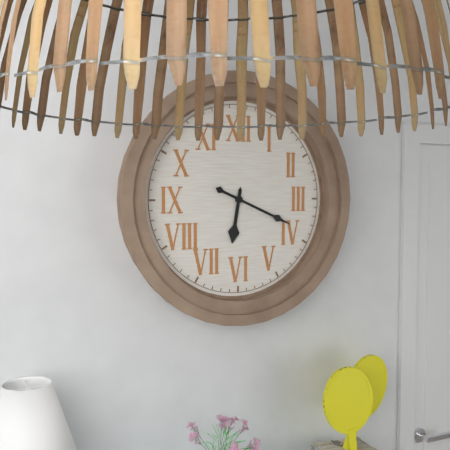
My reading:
6 h 19 min
